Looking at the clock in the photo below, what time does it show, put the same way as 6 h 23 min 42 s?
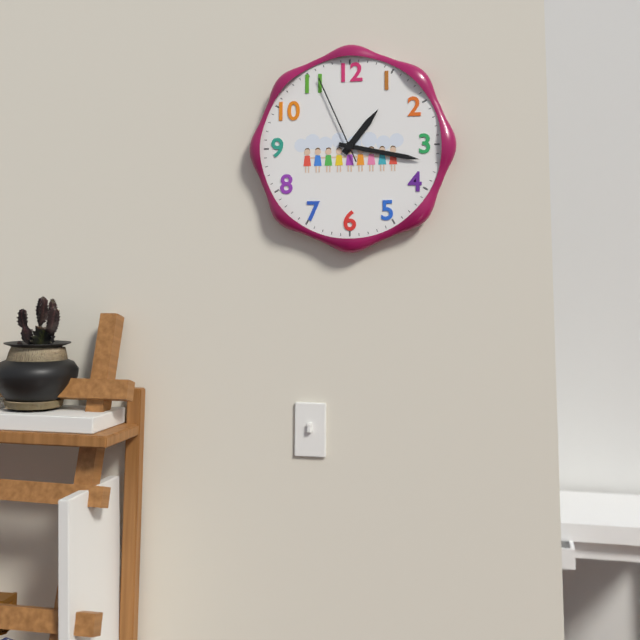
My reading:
1 h 17 min 56 s
